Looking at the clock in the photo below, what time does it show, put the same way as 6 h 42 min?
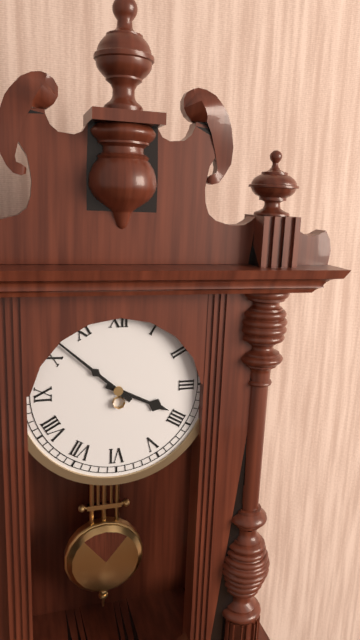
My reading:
3 h 52 min
